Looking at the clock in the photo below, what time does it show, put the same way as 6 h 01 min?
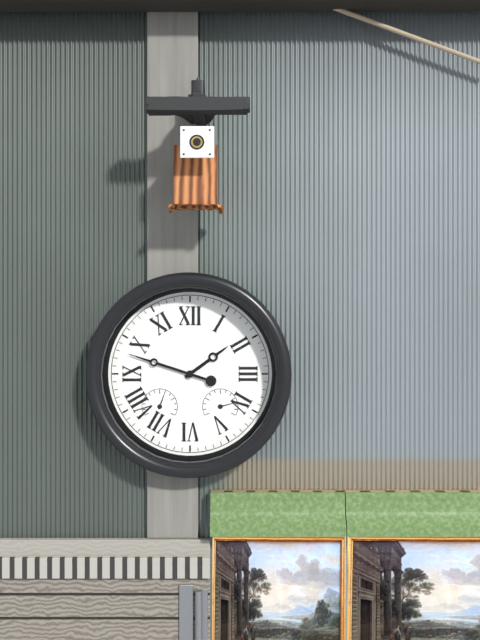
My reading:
1 h 48 min
